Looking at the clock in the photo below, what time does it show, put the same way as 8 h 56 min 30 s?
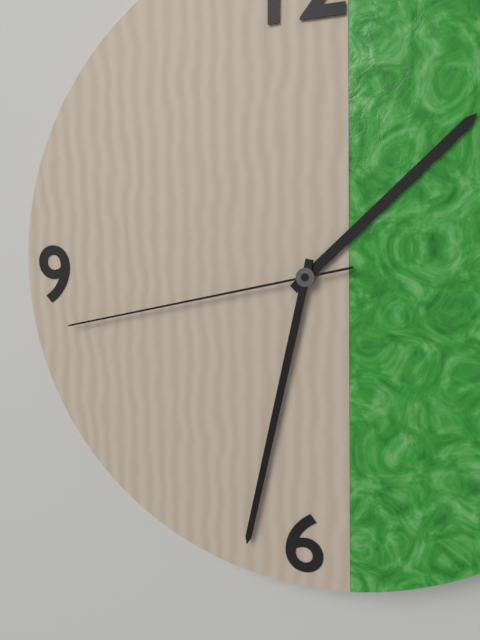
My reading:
1 h 32 min 43 s
